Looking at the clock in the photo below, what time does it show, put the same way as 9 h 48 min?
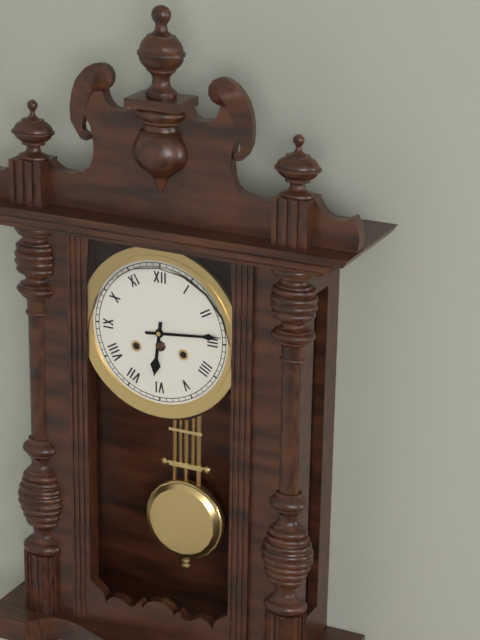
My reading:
6 h 14 min
